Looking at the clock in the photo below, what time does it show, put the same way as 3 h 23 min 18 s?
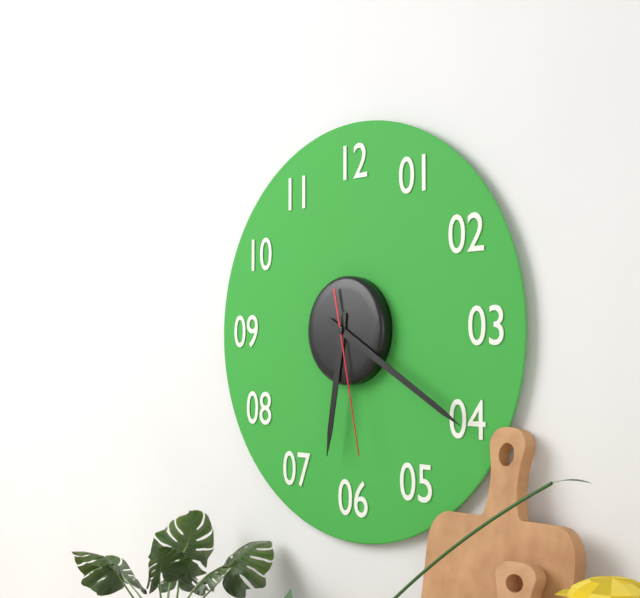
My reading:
6 h 20 min 28 s
